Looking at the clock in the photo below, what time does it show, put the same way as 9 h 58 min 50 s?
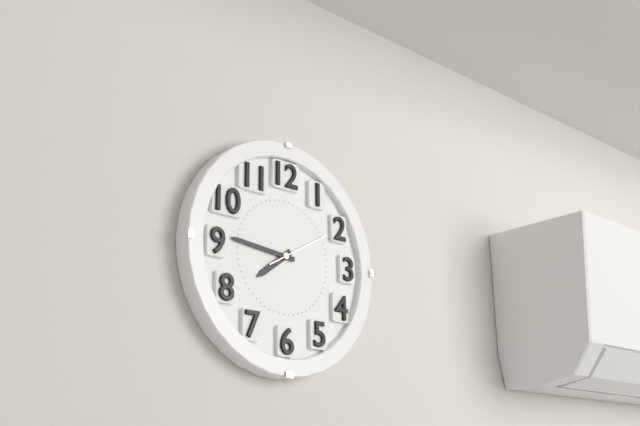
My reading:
7 h 46 min 10 s
